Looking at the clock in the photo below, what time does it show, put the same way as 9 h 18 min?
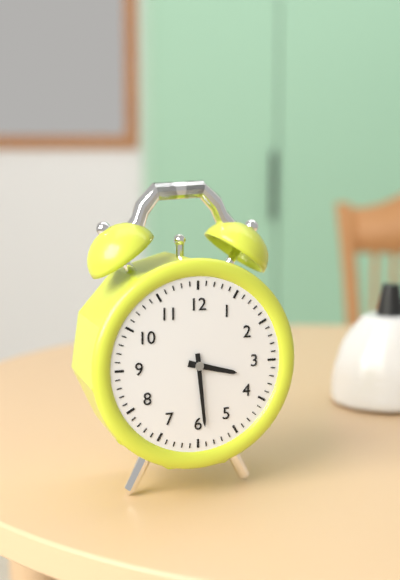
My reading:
3 h 29 min
